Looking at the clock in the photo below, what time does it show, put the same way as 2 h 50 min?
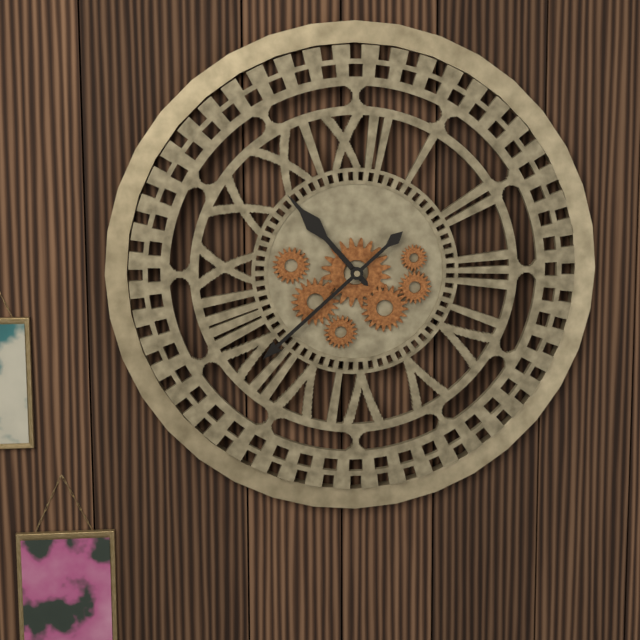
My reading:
10 h 38 min
